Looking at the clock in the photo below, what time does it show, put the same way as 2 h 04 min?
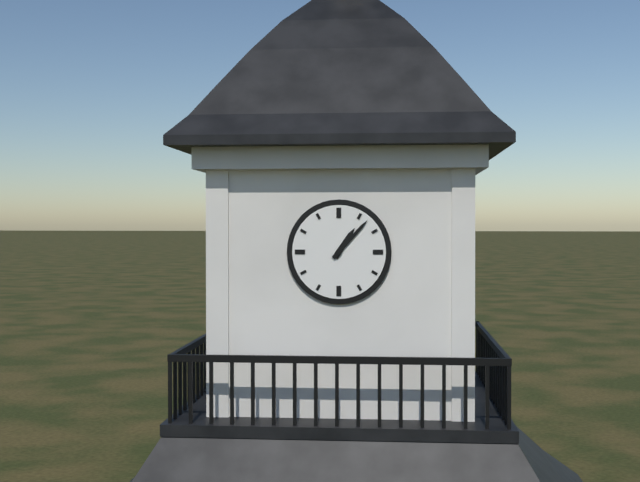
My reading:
1 h 07 min
